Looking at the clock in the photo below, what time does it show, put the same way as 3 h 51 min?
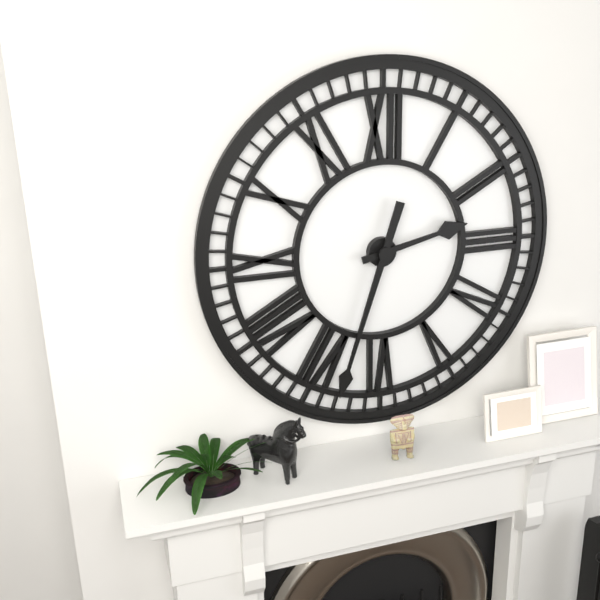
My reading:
2 h 33 min
